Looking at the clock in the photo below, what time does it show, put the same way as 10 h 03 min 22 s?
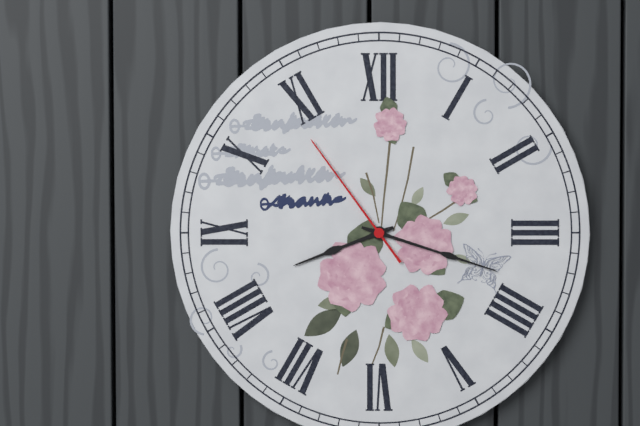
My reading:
8 h 18 min 54 s
